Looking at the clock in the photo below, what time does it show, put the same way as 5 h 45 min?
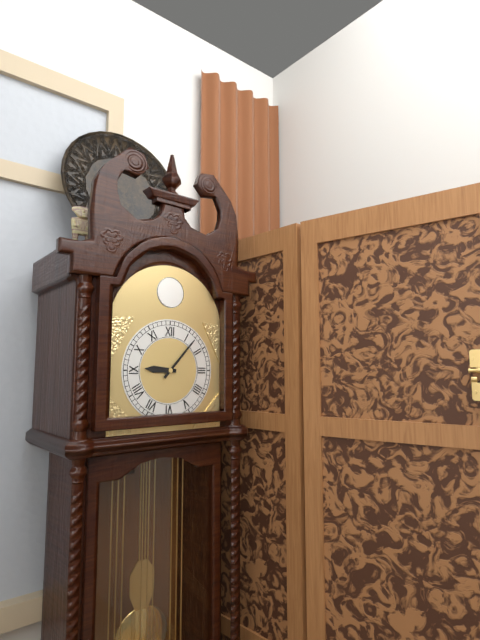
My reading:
9 h 07 min
